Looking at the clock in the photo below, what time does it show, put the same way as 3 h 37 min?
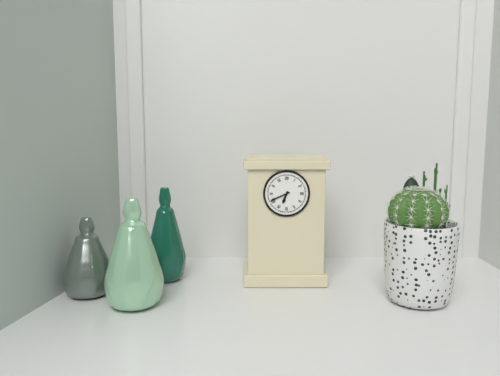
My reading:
6 h 41 min
